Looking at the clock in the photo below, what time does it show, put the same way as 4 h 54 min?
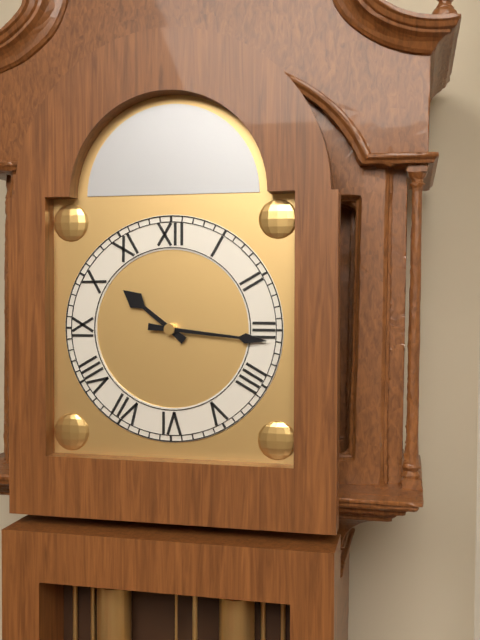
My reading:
10 h 16 min
